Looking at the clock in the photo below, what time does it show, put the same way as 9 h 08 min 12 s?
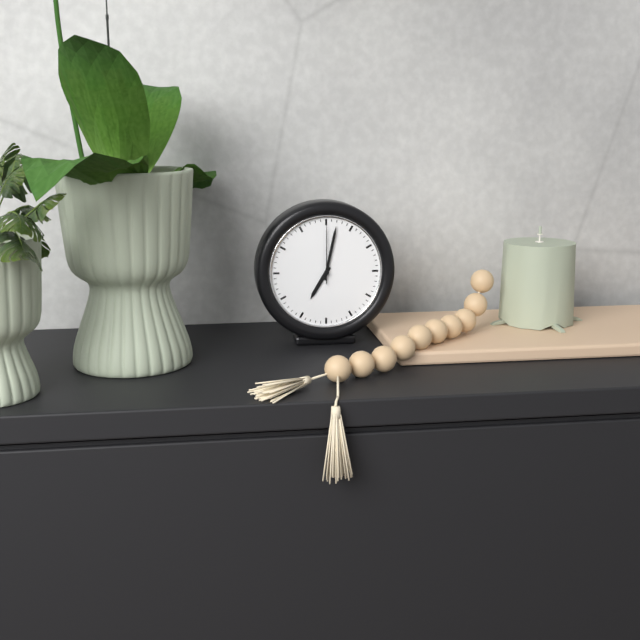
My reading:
7 h 02 min 00 s
